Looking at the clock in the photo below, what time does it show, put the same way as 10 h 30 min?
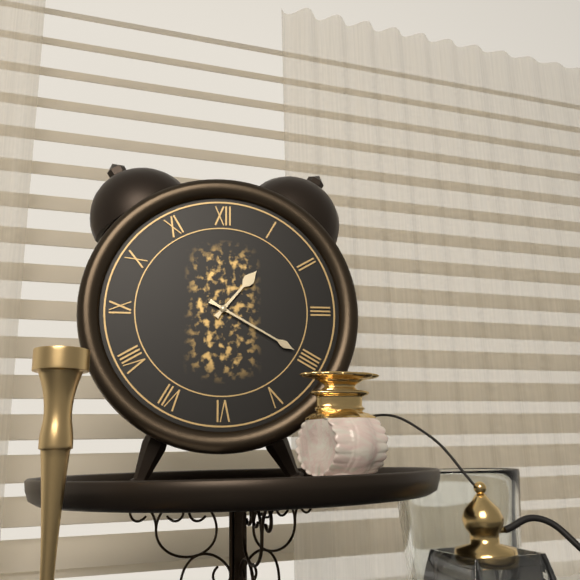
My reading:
1 h 20 min
